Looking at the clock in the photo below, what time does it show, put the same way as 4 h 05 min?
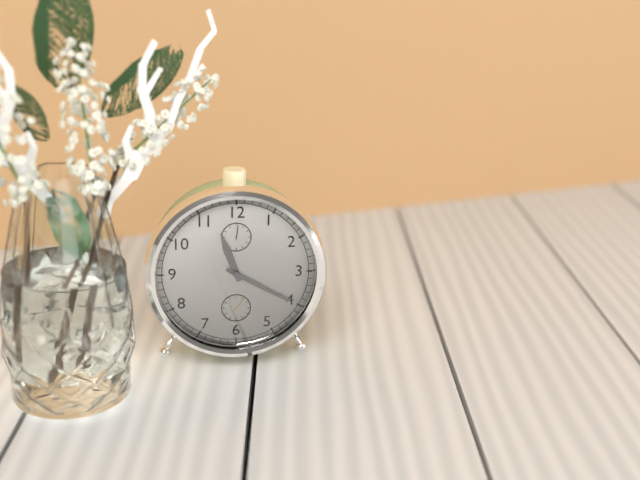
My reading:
11 h 20 min
